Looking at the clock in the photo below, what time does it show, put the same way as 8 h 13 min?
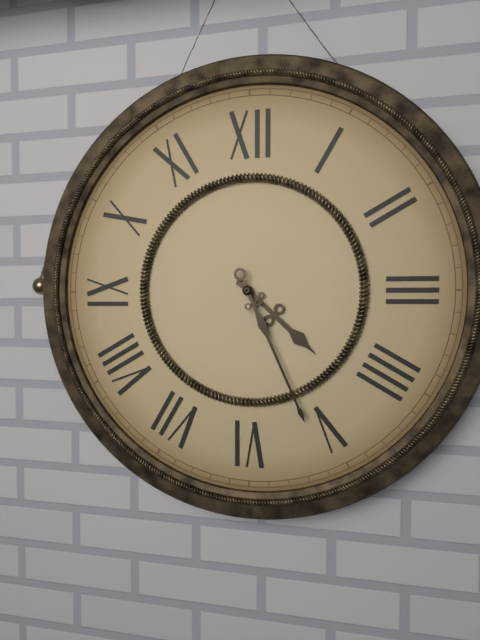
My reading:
4 h 26 min
